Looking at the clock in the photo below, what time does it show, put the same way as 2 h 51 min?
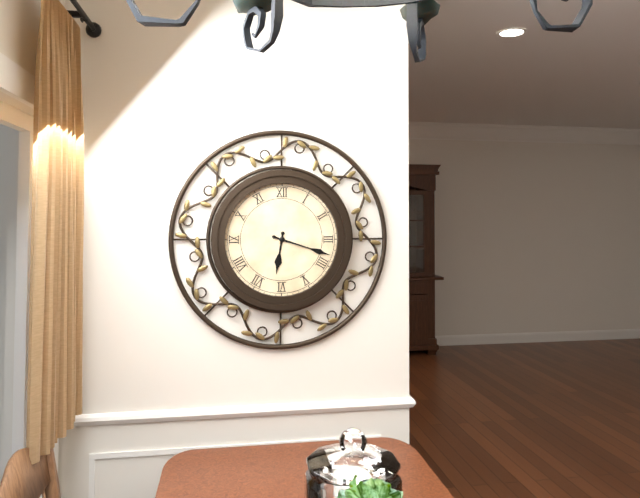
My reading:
6 h 18 min
